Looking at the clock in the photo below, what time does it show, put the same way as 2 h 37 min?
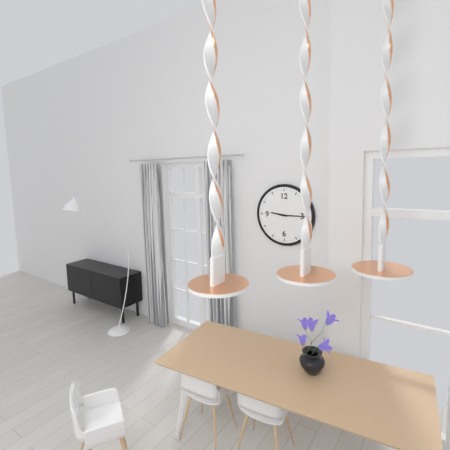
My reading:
9 h 15 min
